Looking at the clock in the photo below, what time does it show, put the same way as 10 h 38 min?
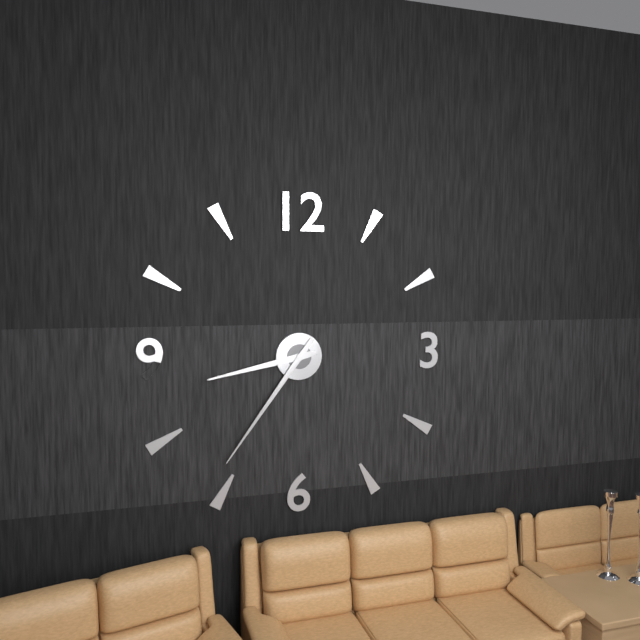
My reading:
8 h 36 min
